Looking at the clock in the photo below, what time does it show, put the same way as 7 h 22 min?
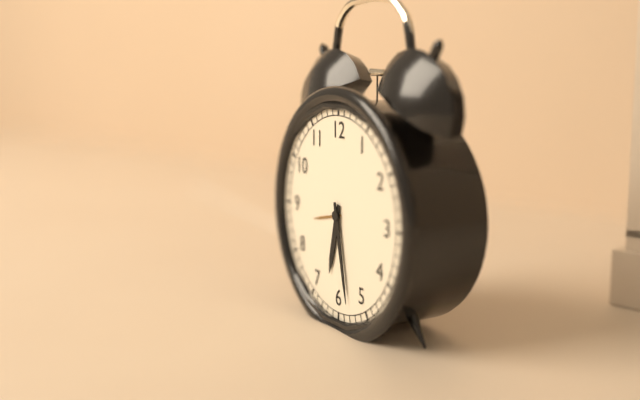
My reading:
6 h 28 min
